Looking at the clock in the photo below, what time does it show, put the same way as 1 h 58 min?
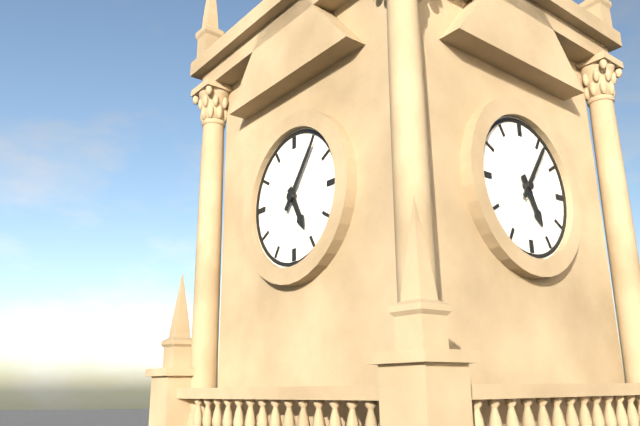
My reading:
5 h 06 min
